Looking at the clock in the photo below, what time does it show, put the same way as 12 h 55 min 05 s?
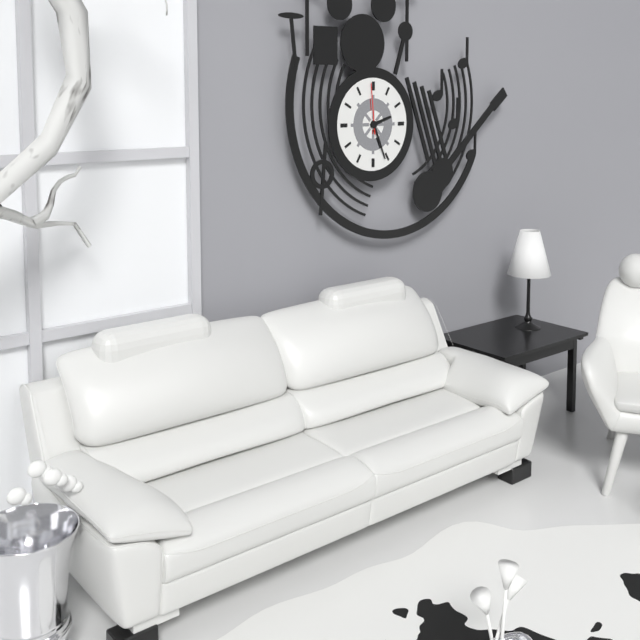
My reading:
2 h 26 min 59 s
